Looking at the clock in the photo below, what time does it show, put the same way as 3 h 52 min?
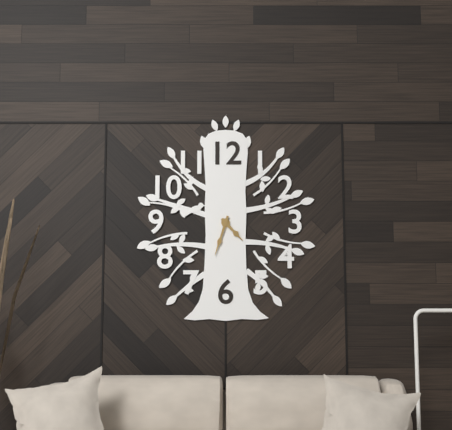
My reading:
4 h 33 min
